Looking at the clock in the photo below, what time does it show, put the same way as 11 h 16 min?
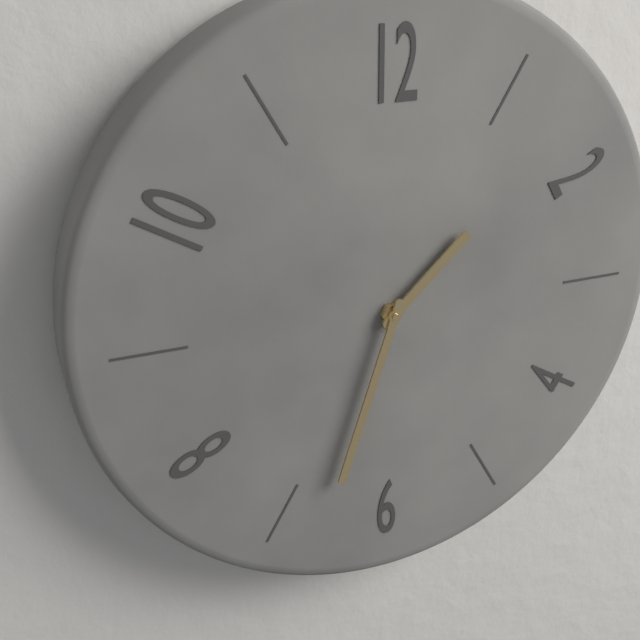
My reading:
1 h 33 min
